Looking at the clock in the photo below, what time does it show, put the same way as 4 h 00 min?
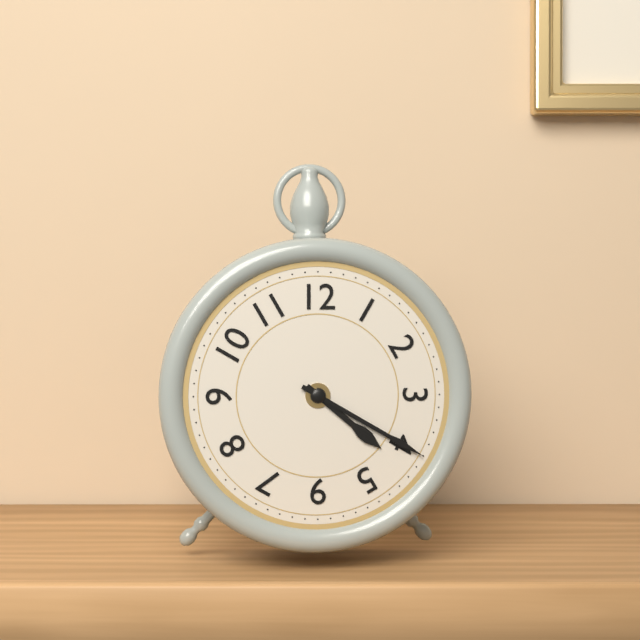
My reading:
4 h 20 min
